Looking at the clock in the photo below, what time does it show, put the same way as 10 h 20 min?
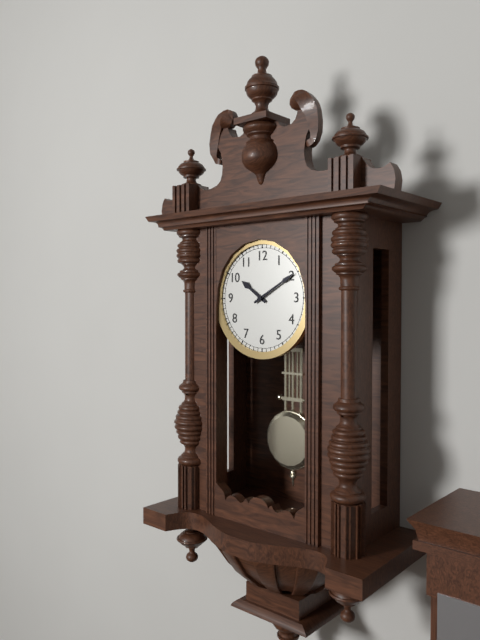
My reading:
10 h 10 min
